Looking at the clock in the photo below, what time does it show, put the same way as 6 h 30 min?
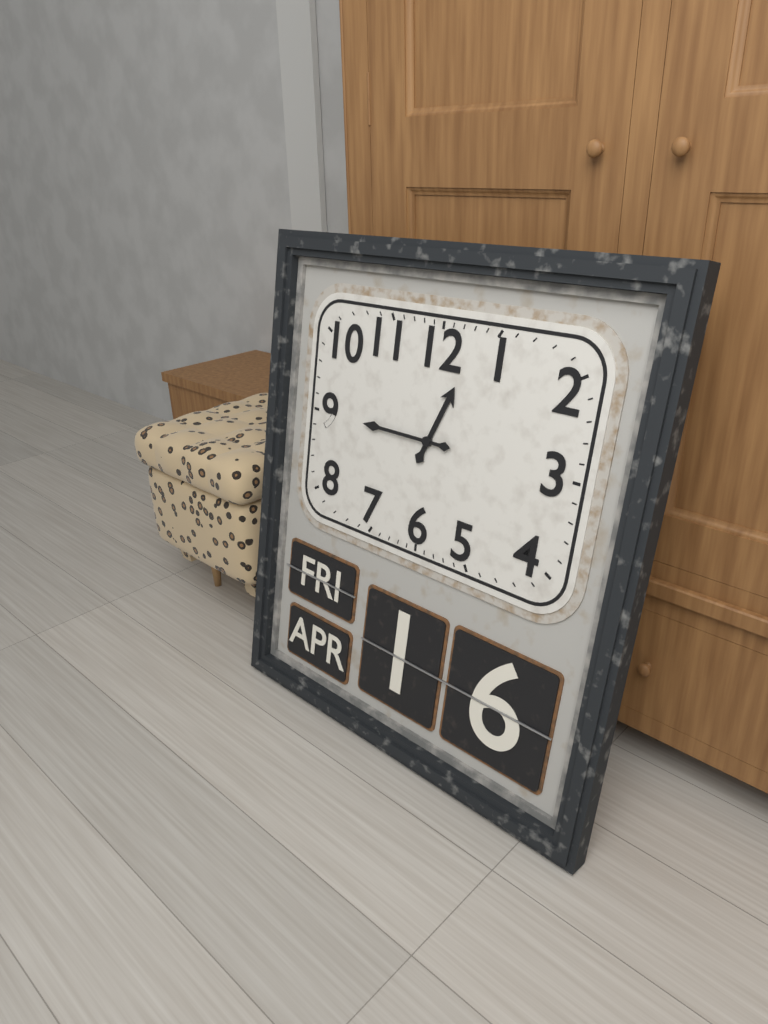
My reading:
12 h 45 min
